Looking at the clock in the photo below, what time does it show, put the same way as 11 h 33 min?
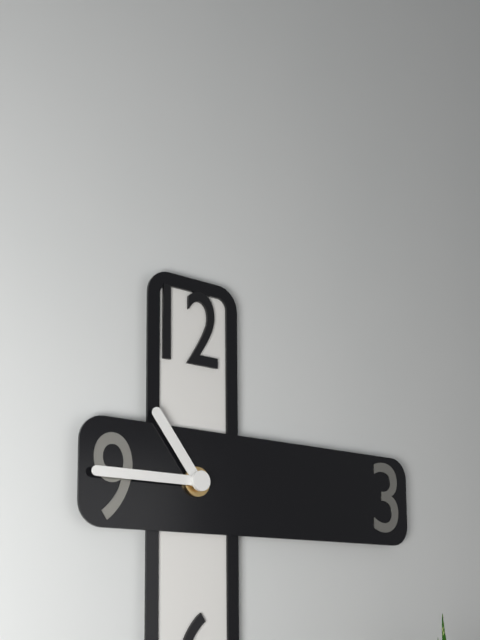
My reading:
10 h 45 min
